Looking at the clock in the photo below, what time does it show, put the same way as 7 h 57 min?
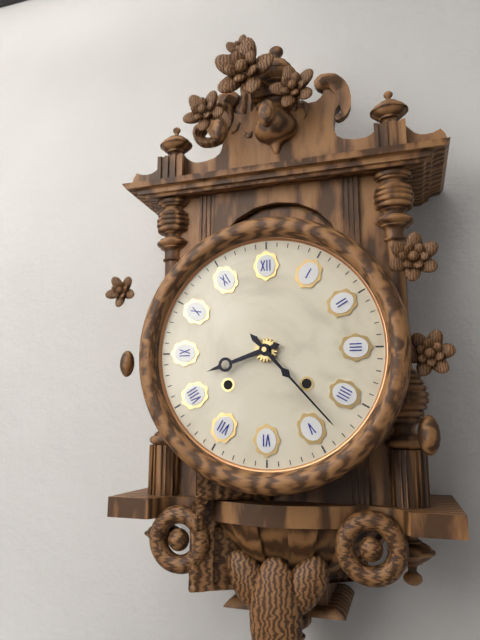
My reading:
8 h 23 min
